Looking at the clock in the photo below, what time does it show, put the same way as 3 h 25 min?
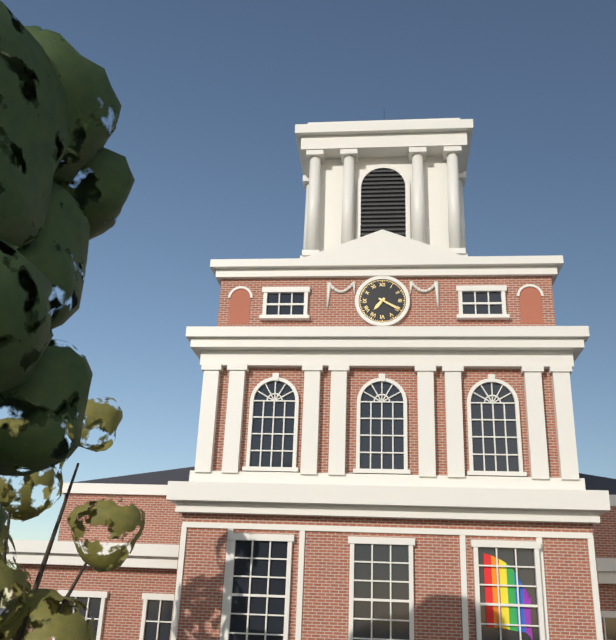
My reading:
7 h 20 min
